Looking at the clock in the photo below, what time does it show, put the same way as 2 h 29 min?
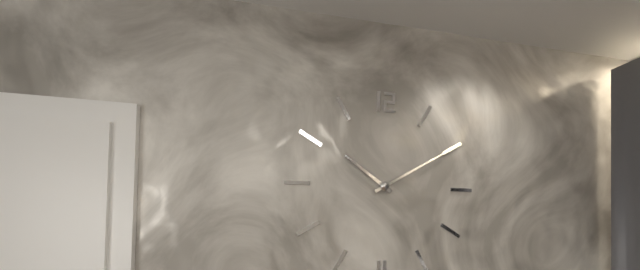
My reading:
10 h 10 min
